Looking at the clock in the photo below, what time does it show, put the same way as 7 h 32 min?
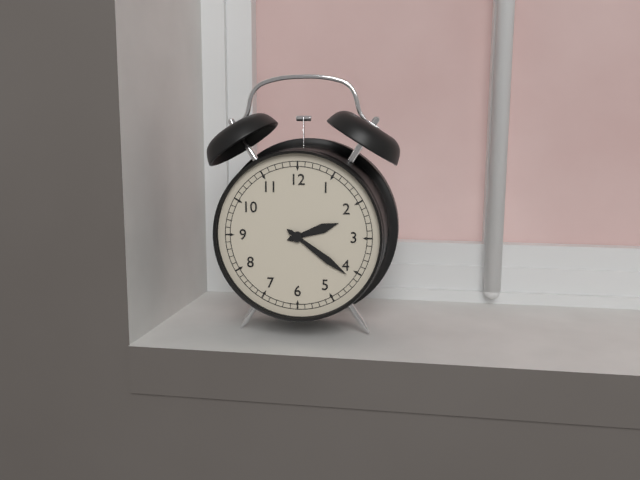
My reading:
2 h 21 min
